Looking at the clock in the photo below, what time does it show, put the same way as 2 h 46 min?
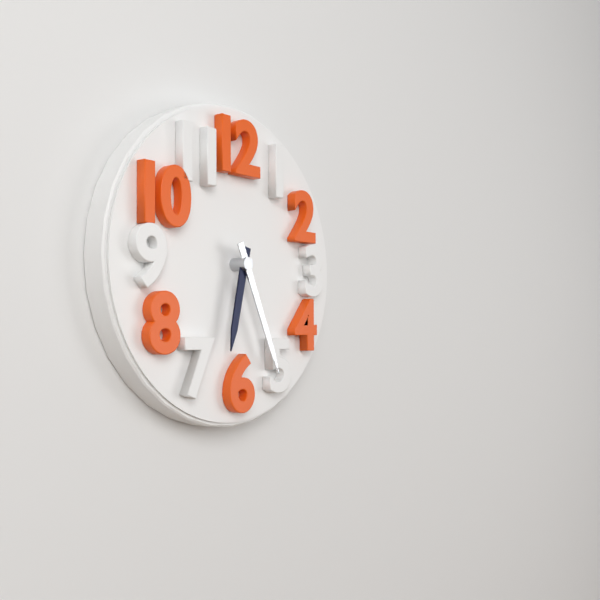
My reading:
6 h 26 min
